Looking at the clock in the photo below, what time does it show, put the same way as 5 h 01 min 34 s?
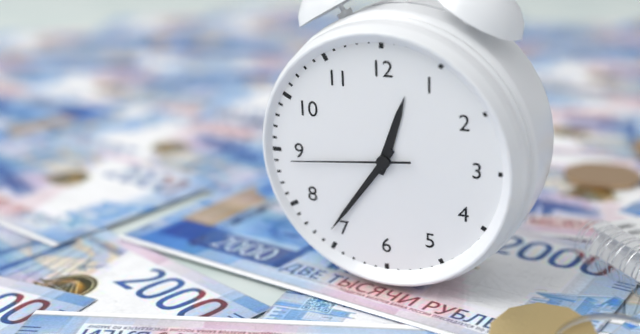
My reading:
12 h 36 min 44 s
